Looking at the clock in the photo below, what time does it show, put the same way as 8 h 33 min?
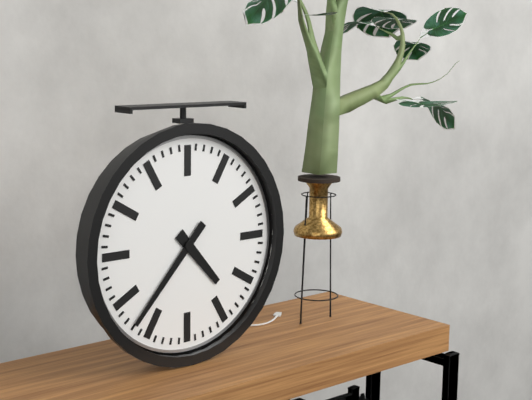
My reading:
4 h 37 min
